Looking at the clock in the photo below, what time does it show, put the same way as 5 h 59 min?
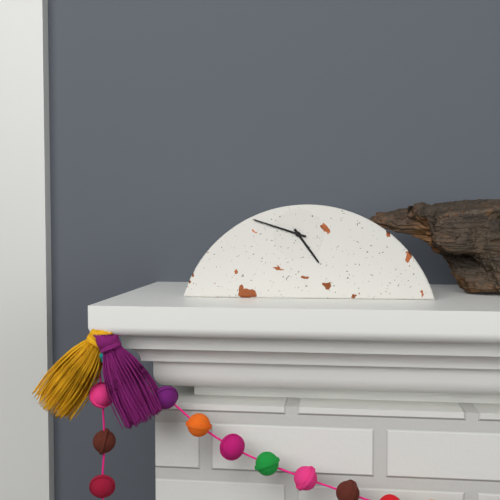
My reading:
4 h 48 min
